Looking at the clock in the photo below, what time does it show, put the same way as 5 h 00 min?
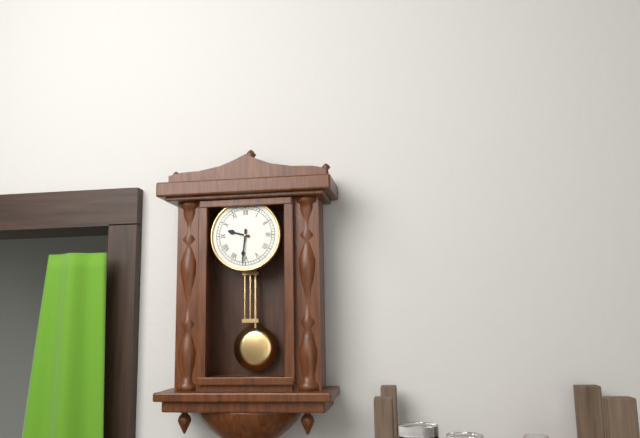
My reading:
9 h 31 min
